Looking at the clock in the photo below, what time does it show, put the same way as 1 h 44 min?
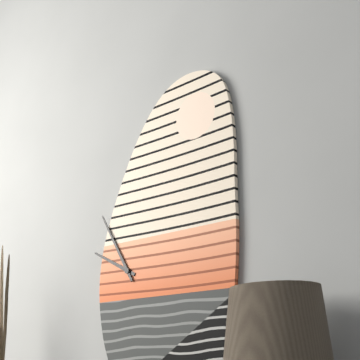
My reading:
9 h 55 min
